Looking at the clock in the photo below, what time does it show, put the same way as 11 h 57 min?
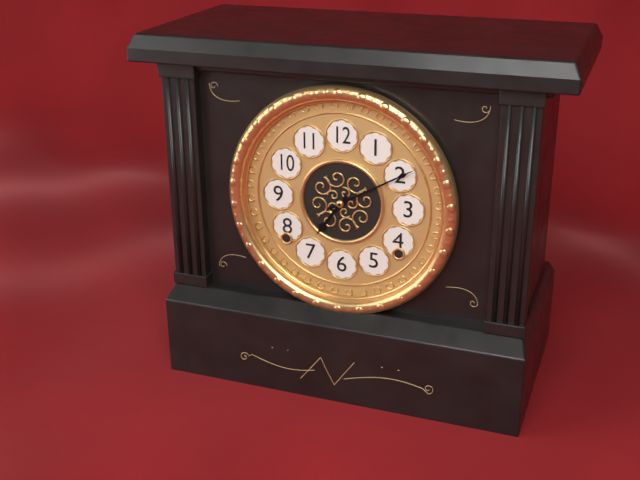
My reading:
7 h 10 min
